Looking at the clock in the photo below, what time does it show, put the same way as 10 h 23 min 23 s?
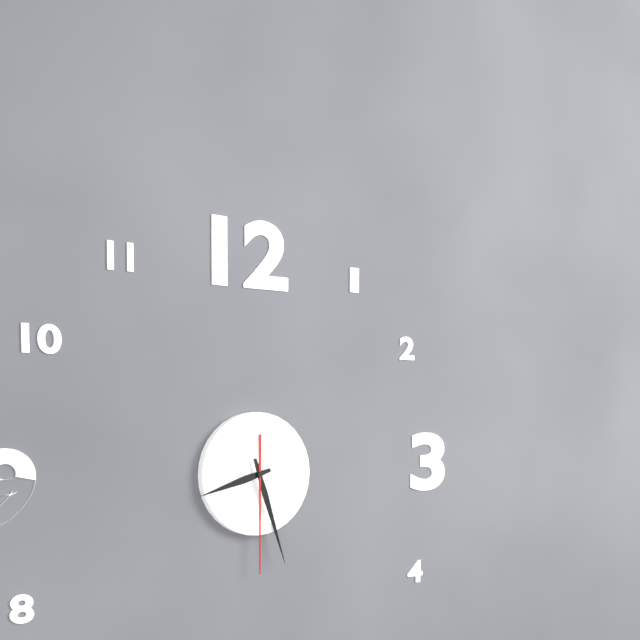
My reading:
8 h 27 min 30 s
